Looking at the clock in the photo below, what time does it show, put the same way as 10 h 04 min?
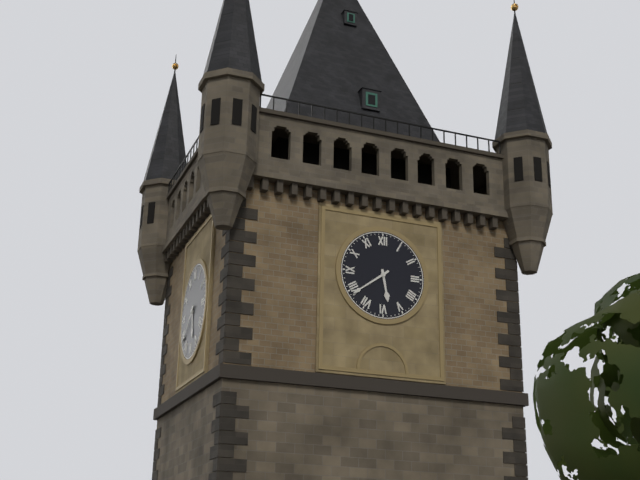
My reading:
5 h 39 min
